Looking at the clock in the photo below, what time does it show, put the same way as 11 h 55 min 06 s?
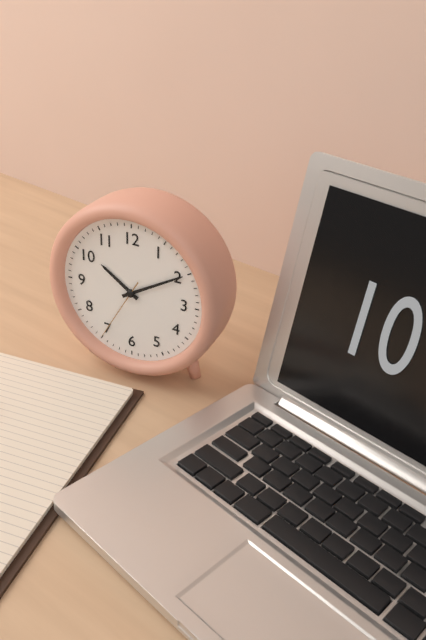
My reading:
10 h 10 min 35 s
